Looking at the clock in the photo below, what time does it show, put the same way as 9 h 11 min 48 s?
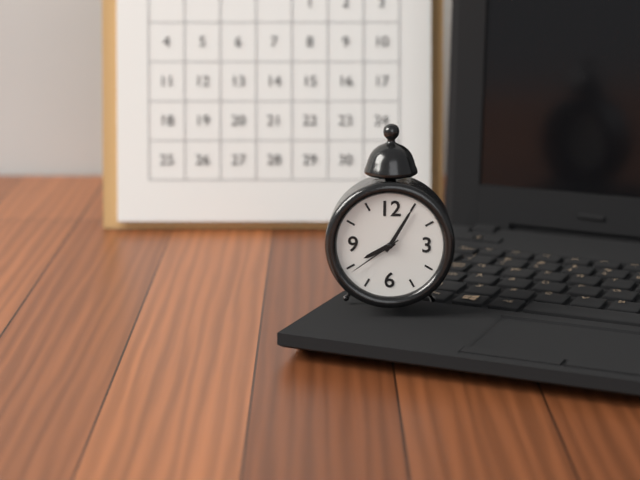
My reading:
8 h 05 min 39 s
